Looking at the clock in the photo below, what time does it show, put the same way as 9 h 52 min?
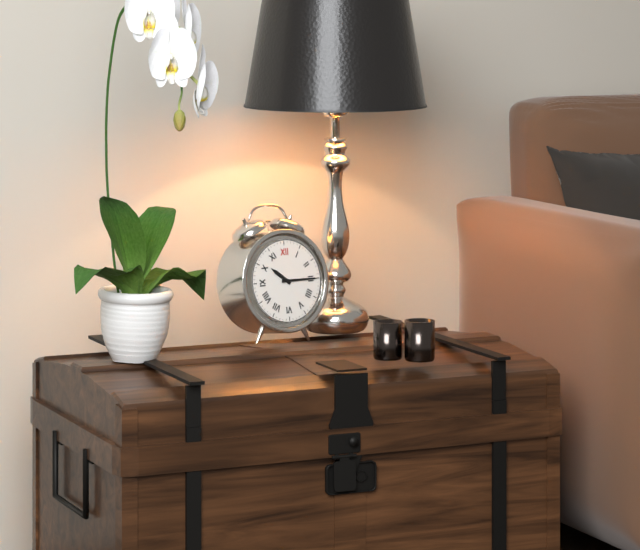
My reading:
10 h 15 min
